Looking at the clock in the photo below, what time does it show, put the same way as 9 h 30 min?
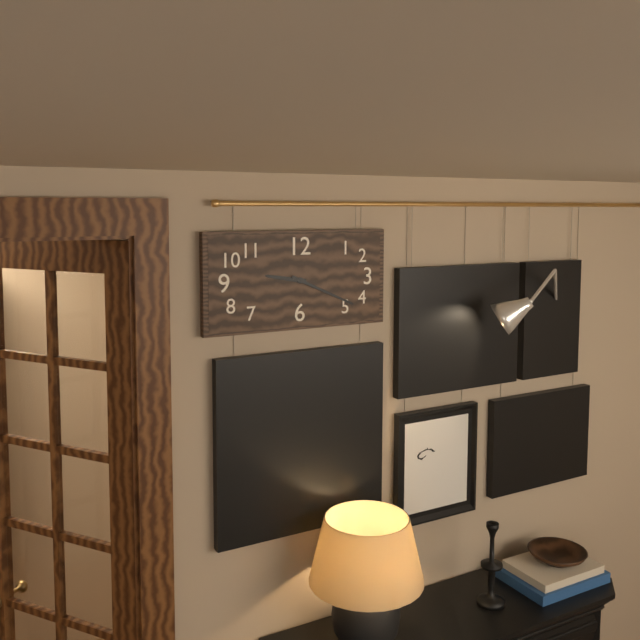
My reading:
9 h 19 min
